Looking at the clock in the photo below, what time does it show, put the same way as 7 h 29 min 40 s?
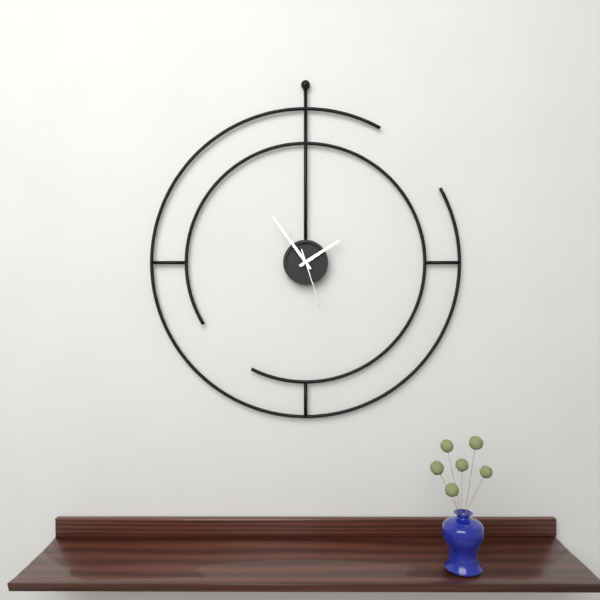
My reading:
1 h 54 min 27 s
